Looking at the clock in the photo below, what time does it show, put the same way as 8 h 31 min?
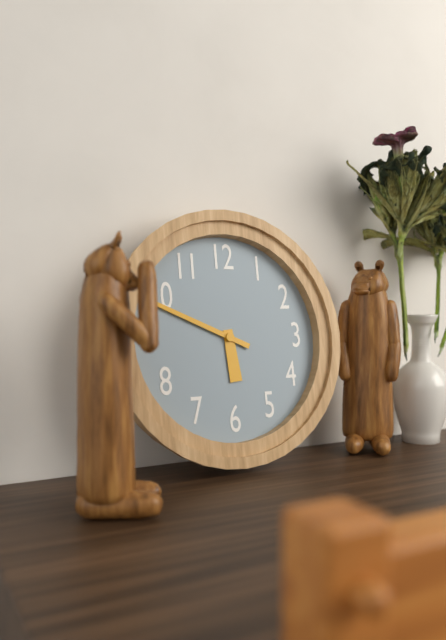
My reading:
5 h 49 min
